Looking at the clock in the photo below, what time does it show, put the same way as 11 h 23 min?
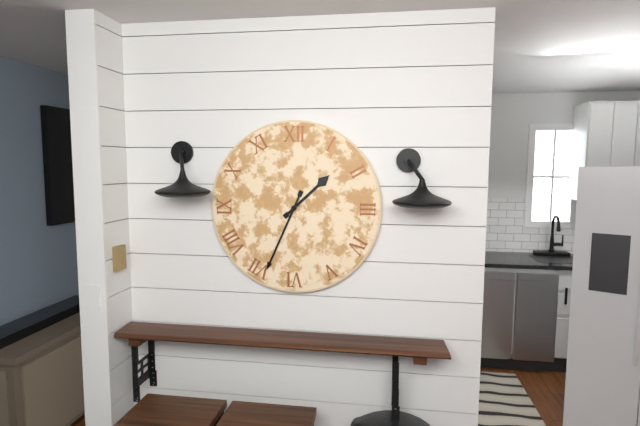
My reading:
1 h 34 min
